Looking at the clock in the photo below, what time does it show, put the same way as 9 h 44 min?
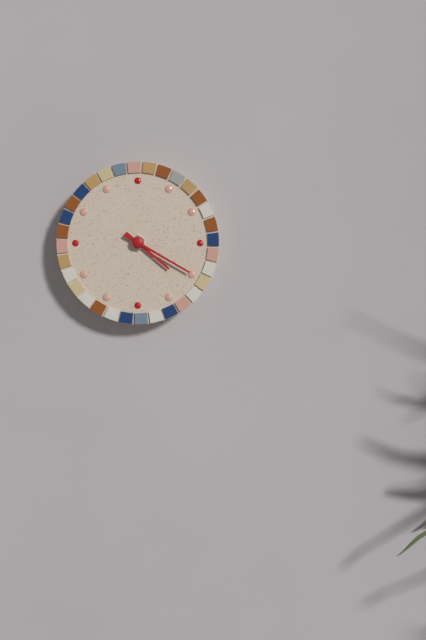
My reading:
4 h 20 min
